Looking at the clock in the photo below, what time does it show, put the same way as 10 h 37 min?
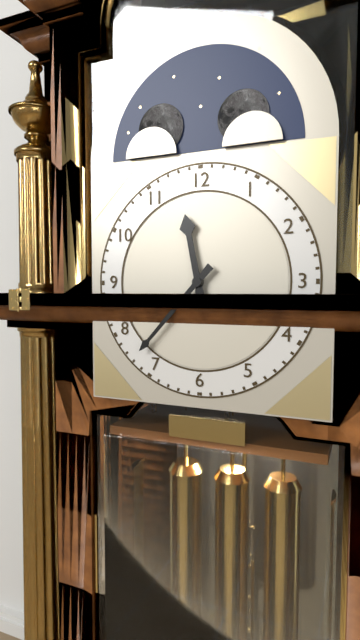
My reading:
11 h 37 min
